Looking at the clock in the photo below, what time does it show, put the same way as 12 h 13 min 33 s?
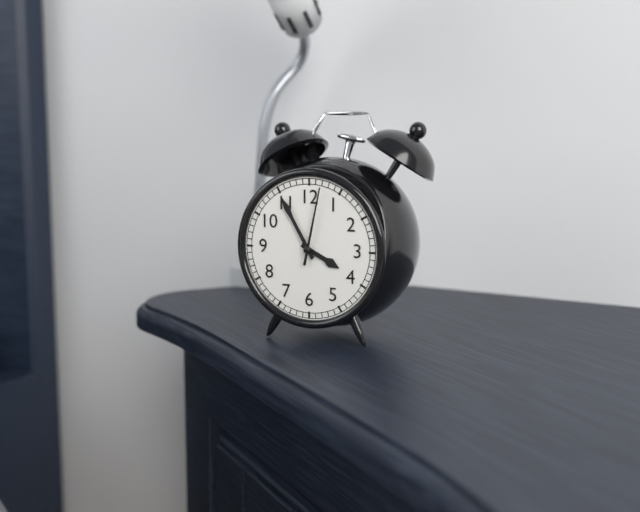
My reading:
3 h 55 min 02 s
